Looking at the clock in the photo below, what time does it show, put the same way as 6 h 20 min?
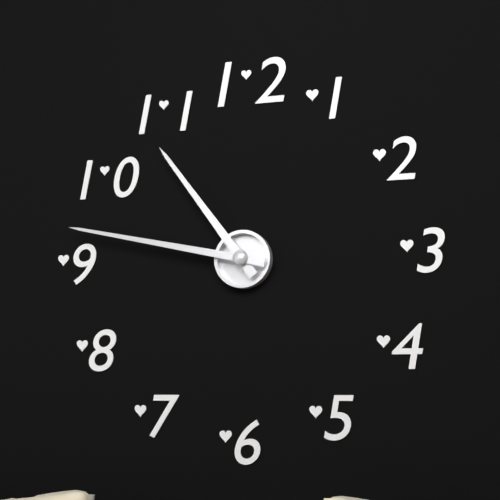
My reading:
10 h 47 min
